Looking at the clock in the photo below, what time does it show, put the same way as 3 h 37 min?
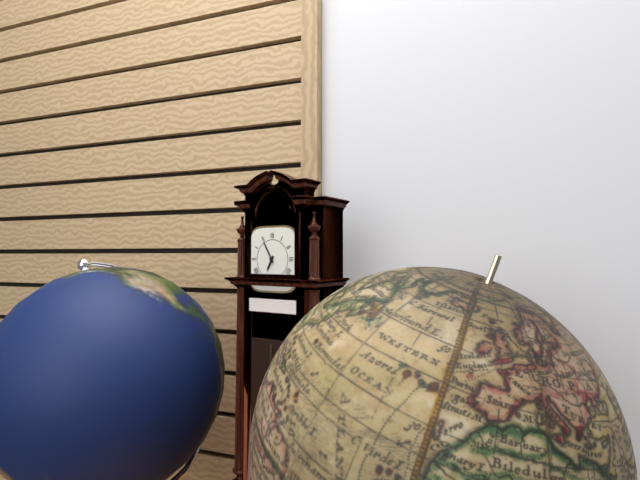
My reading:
6 h 55 min
